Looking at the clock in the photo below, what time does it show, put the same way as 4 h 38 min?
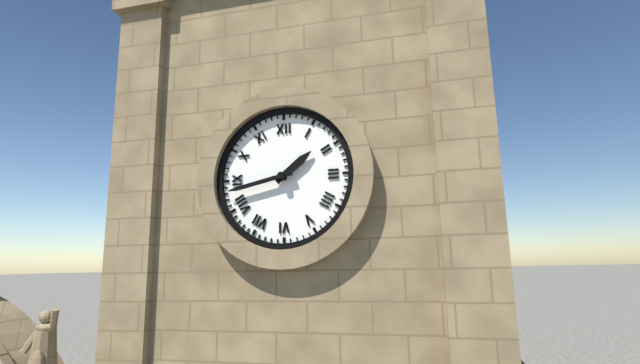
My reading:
1 h 43 min
